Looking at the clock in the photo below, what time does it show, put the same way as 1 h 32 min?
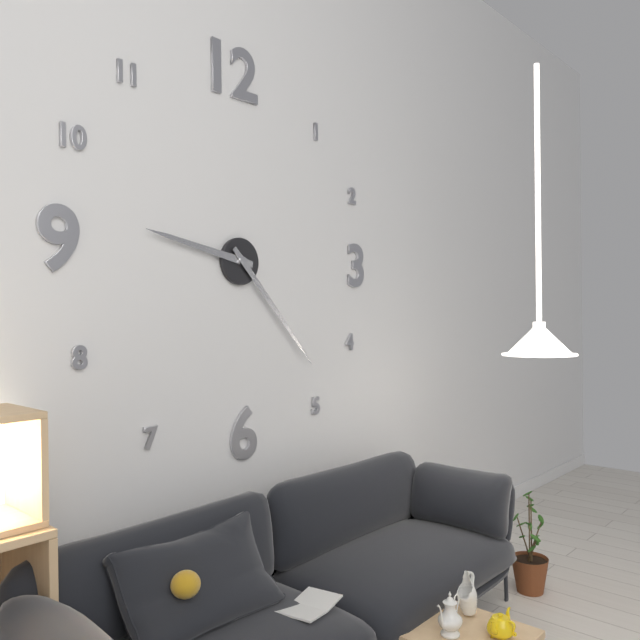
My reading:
9 h 23 min
